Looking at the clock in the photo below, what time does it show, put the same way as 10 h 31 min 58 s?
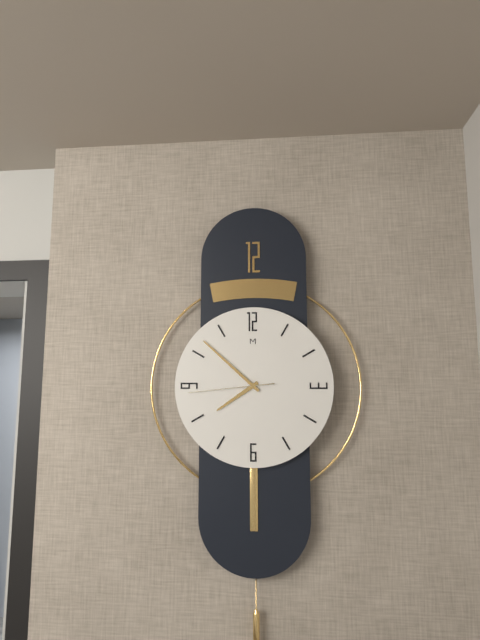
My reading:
7 h 52 min 44 s
